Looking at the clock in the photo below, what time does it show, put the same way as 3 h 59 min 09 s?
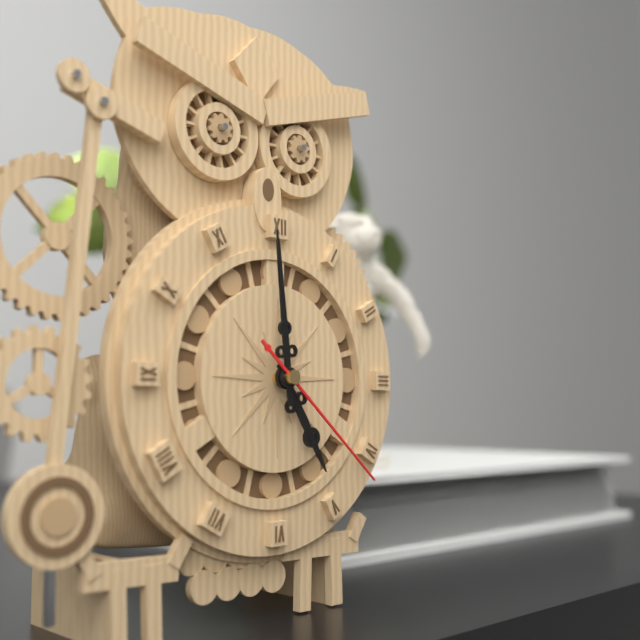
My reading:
4 h 59 min 22 s
